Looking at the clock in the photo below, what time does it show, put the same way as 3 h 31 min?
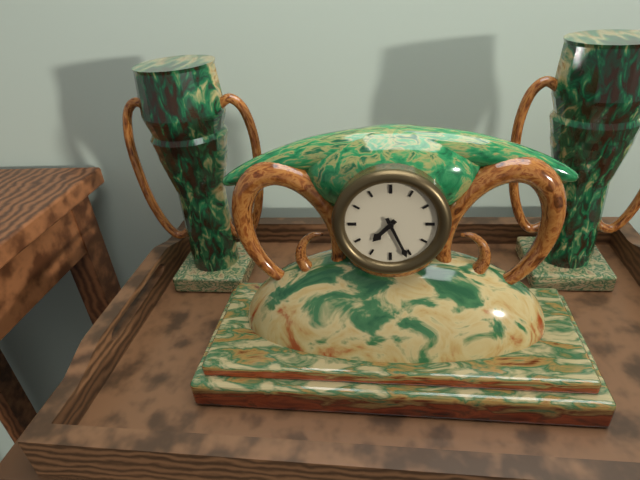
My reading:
7 h 26 min
